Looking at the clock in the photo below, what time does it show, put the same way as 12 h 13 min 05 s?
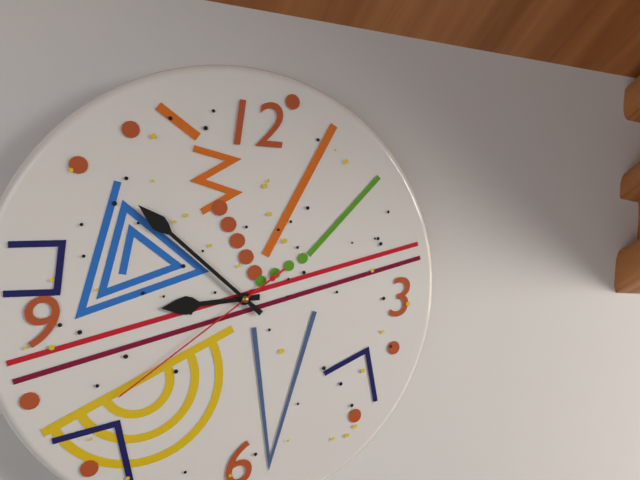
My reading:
8 h 52 min 39 s
